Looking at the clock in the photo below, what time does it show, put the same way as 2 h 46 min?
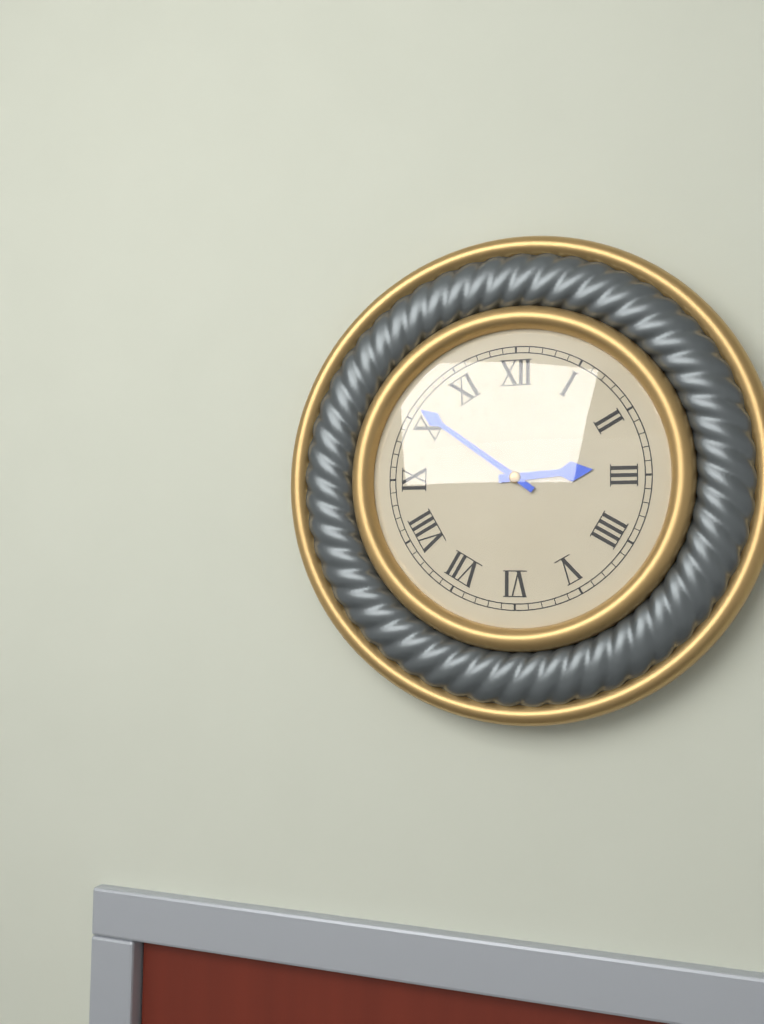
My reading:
2 h 51 min
